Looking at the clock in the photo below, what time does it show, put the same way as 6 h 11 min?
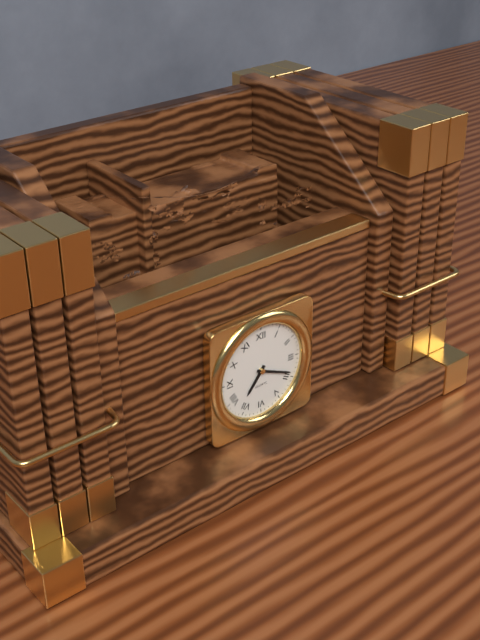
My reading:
7 h 19 min
